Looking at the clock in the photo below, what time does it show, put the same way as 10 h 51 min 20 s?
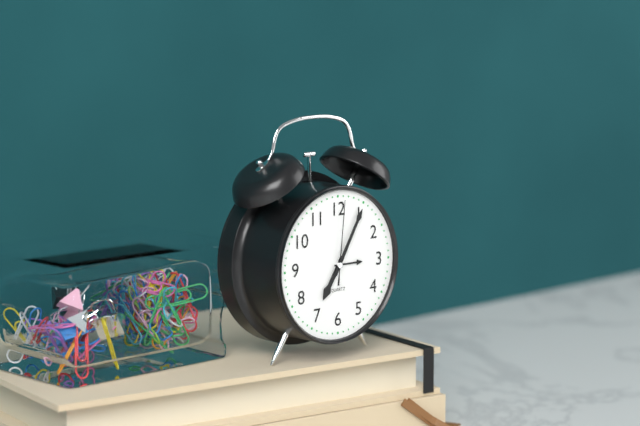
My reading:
7 h 05 min 01 s
